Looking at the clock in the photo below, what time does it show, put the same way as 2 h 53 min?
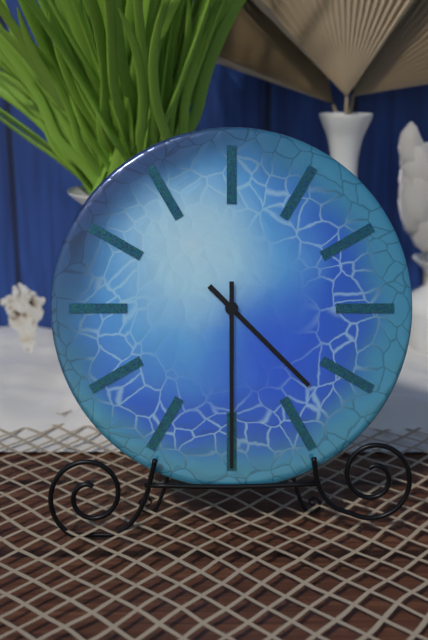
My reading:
4 h 30 min
